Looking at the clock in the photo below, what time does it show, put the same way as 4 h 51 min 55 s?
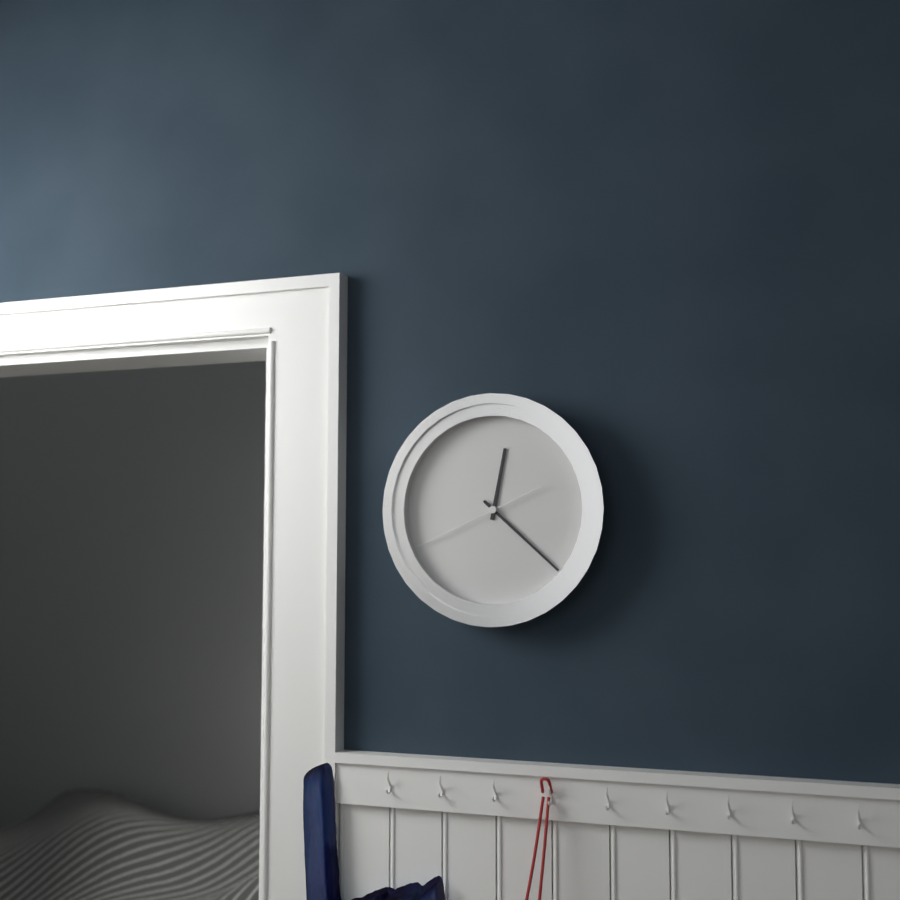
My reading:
12 h 22 min 41 s
